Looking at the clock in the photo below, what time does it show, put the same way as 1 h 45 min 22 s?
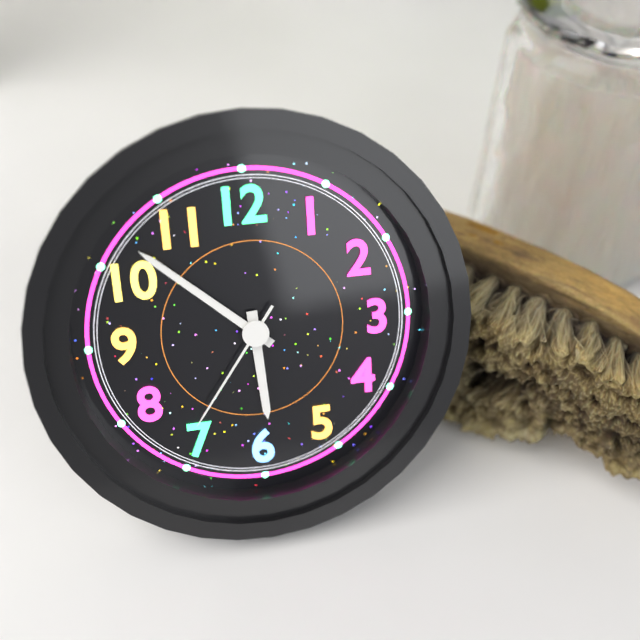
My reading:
5 h 52 min 36 s
